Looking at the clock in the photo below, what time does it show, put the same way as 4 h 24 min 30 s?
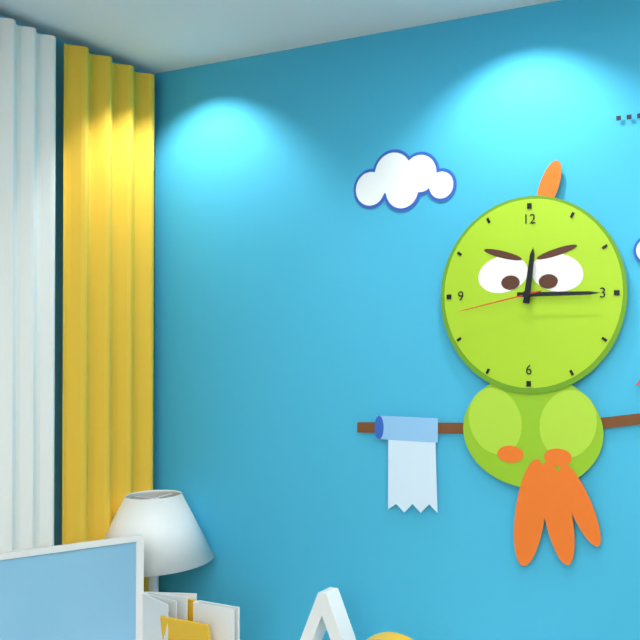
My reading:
12 h 15 min 43 s
